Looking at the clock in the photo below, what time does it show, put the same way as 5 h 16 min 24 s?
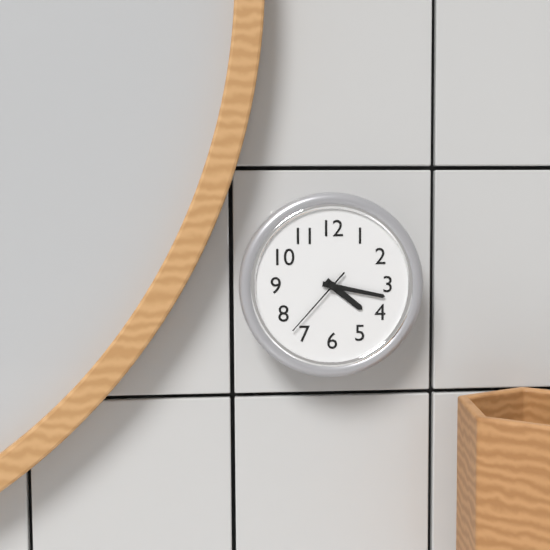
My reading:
4 h 17 min 37 s
